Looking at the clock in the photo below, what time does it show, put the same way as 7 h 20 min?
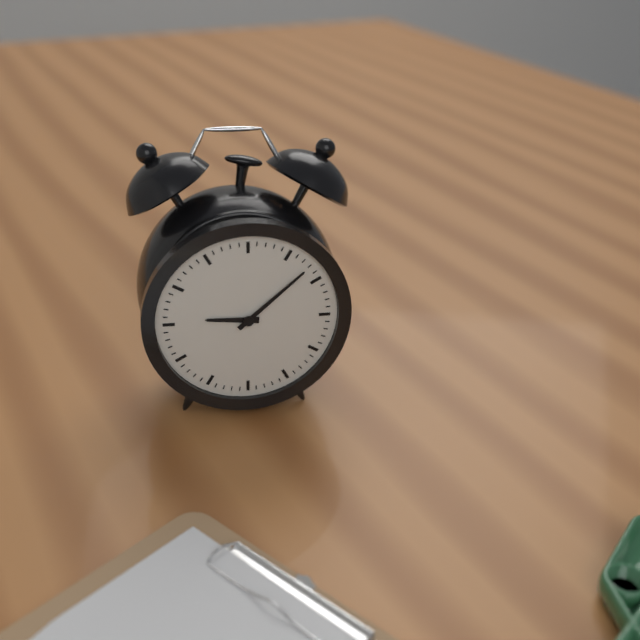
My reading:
9 h 08 min
